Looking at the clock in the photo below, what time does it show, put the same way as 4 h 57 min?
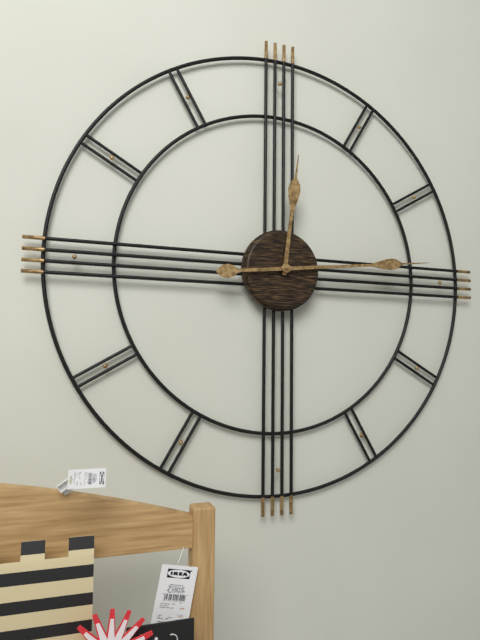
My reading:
12 h 14 min
